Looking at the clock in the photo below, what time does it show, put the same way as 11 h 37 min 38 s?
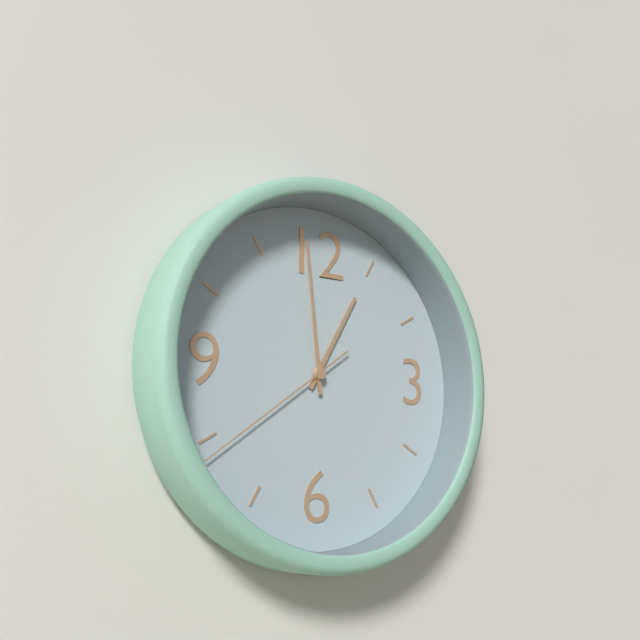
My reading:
12 h 59 min 39 s
